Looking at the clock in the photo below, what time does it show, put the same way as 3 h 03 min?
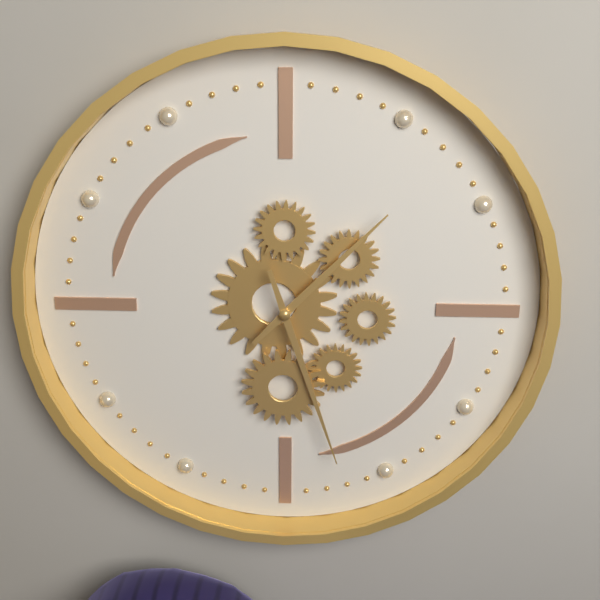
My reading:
1 h 27 min
